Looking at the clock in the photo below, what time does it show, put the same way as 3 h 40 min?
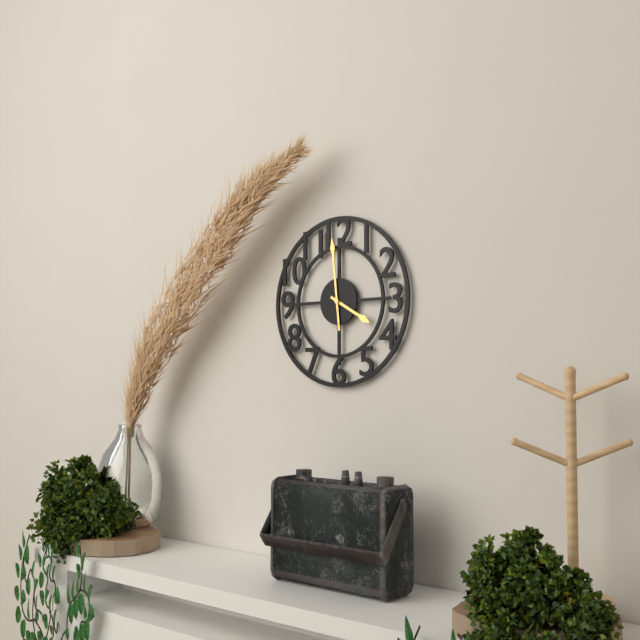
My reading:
3 h 59 min
